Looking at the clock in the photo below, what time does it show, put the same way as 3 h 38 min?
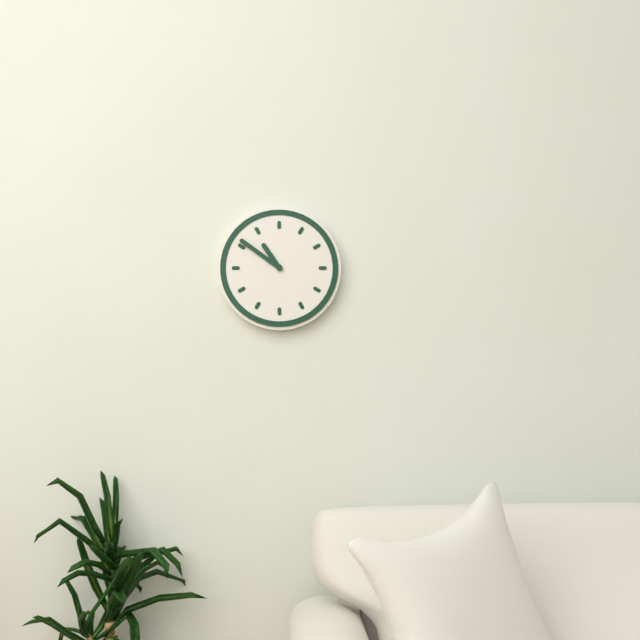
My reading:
10 h 51 min
